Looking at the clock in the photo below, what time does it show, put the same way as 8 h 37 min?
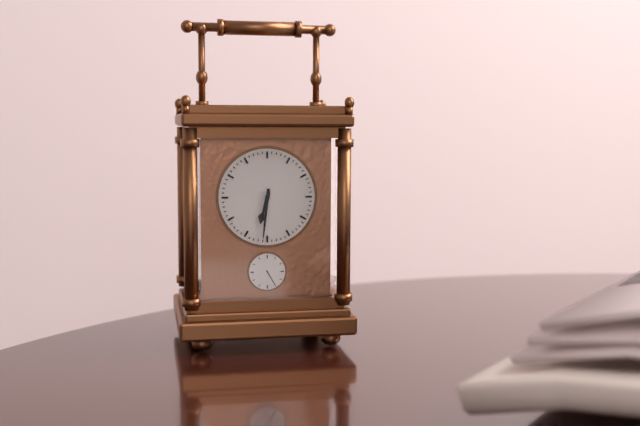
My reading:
6 h 31 min
